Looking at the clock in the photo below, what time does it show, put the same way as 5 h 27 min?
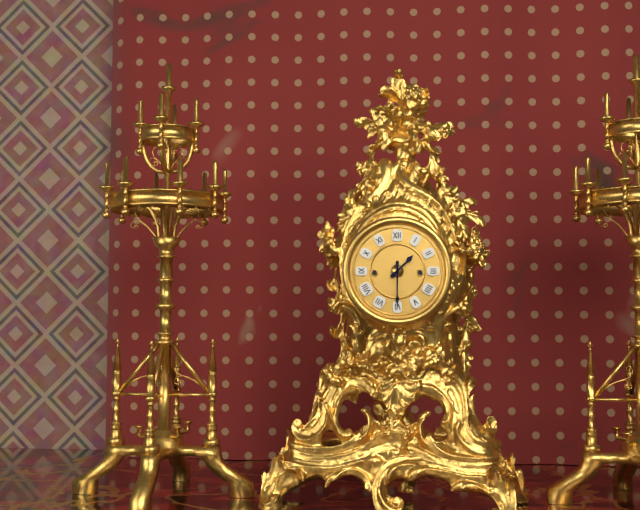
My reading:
1 h 30 min
